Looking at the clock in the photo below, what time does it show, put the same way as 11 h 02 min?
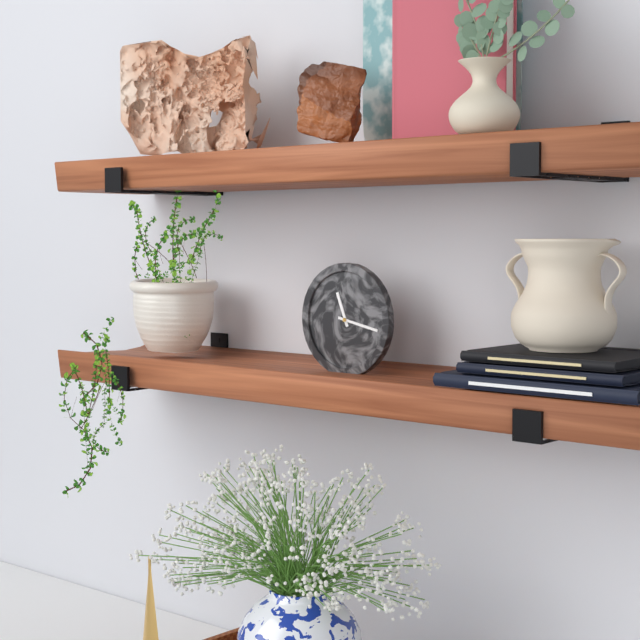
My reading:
11 h 17 min
